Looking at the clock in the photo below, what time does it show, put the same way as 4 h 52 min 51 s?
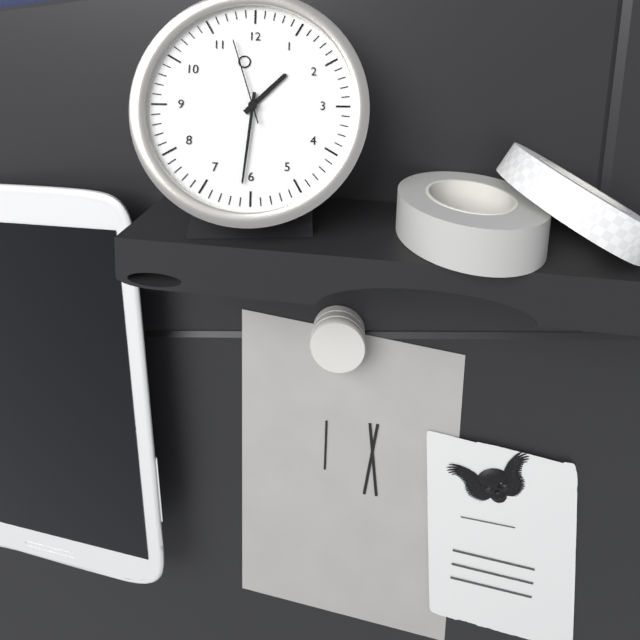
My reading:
1 h 31 min 57 s
